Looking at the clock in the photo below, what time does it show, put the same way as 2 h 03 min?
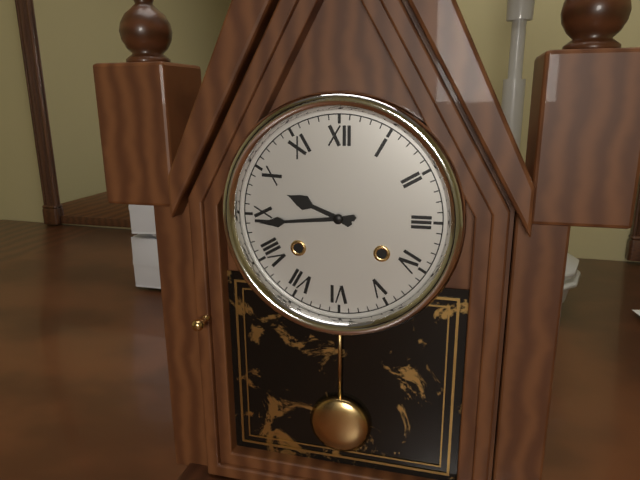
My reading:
9 h 44 min
